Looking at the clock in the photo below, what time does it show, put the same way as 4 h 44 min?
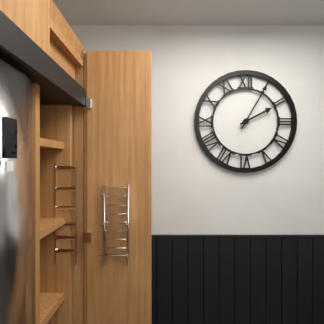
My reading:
2 h 05 min
